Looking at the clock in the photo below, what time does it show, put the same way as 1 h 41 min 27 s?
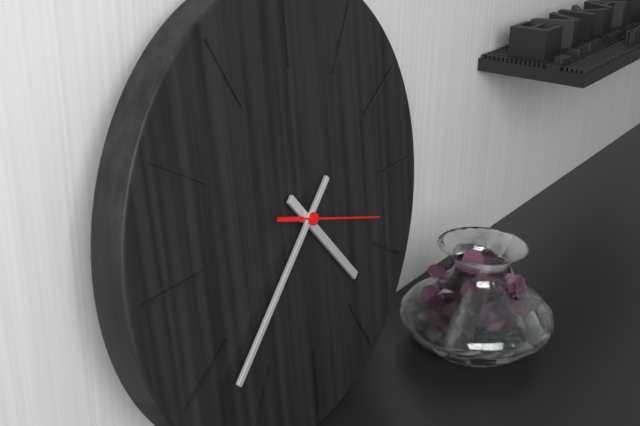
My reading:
4 h 38 min 18 s
